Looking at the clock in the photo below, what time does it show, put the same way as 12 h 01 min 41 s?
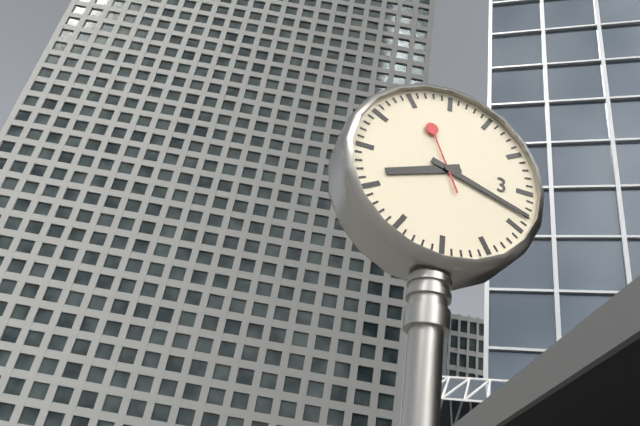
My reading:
8 h 18 min 56 s
